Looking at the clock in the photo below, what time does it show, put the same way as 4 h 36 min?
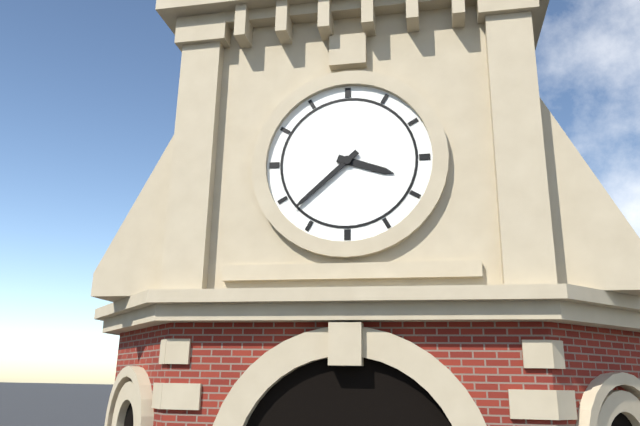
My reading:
3 h 38 min
